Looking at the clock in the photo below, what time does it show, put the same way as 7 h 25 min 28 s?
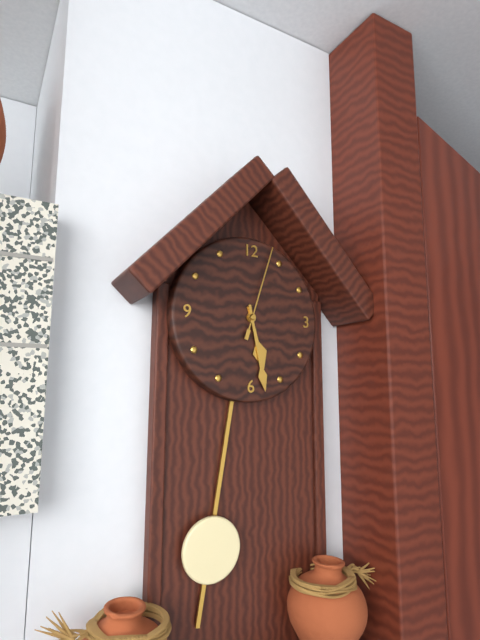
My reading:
5 h 28 min 03 s
